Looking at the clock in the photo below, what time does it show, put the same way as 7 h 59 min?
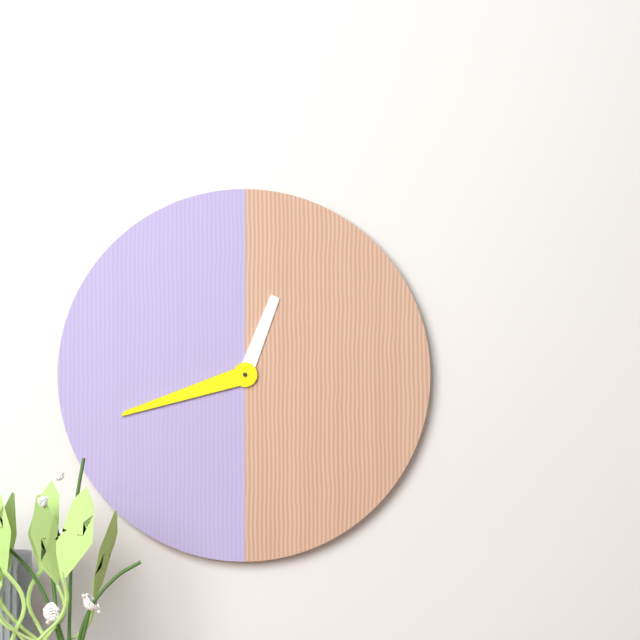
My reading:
12 h 42 min
